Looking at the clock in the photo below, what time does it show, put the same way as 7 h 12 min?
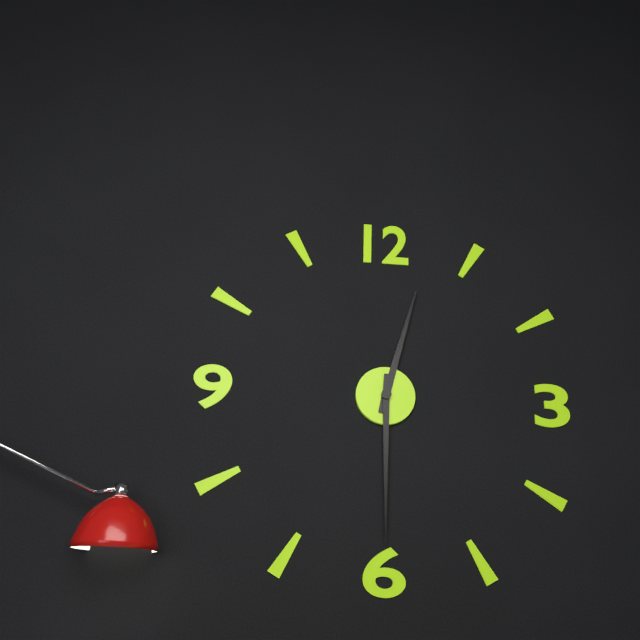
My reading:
12 h 30 min
